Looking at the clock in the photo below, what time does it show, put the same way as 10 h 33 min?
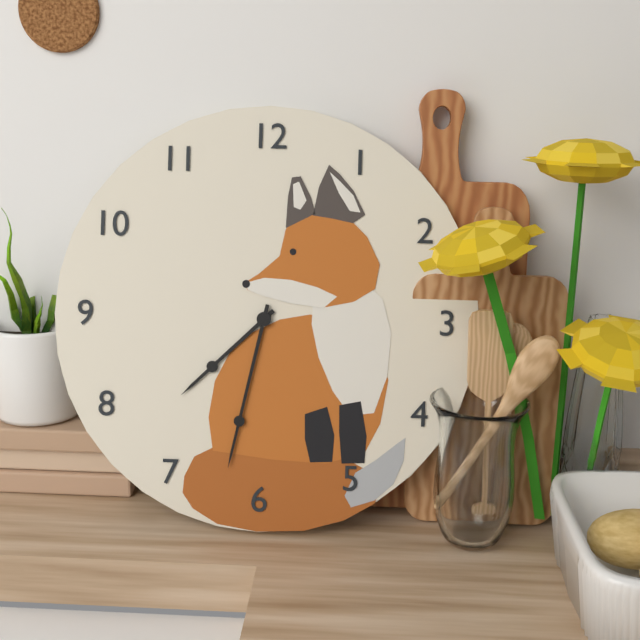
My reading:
7 h 32 min
